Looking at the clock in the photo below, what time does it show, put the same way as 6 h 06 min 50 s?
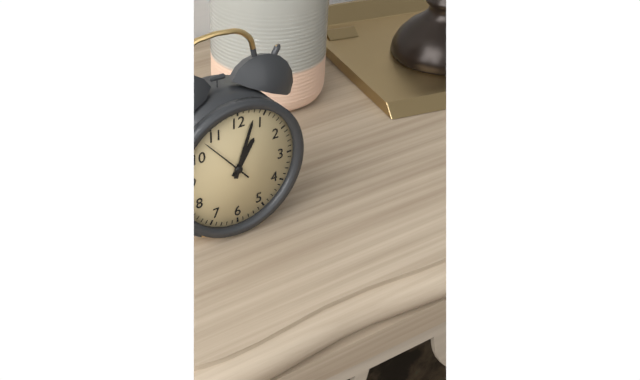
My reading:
1 h 03 min 53 s
